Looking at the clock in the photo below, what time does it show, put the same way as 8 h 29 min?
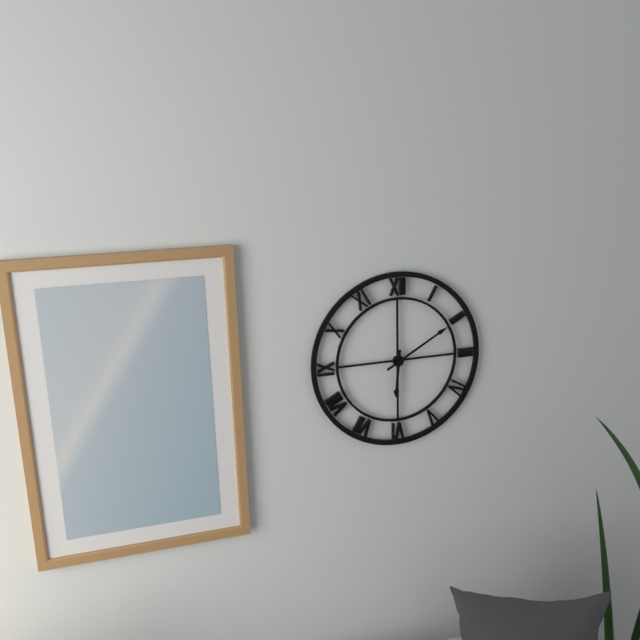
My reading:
6 h 10 min
